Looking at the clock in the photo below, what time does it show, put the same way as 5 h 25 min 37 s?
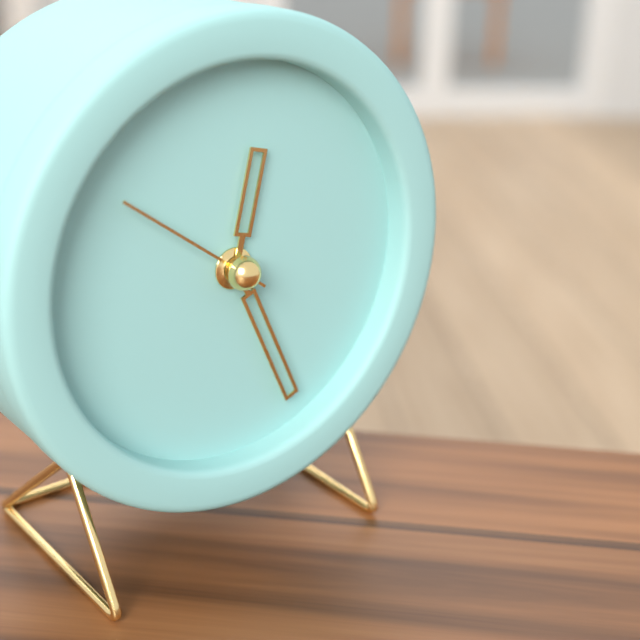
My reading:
12 h 26 min 51 s
